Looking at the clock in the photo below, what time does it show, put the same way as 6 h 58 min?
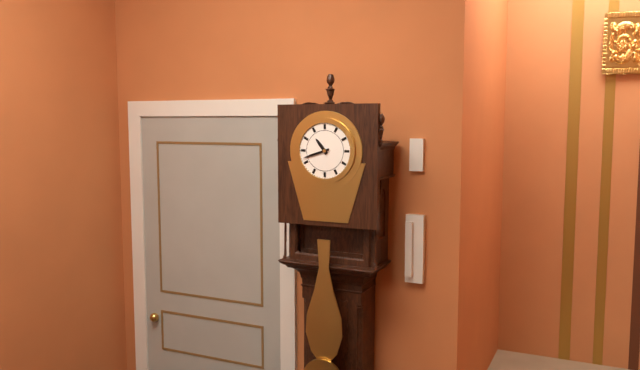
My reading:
10 h 42 min
